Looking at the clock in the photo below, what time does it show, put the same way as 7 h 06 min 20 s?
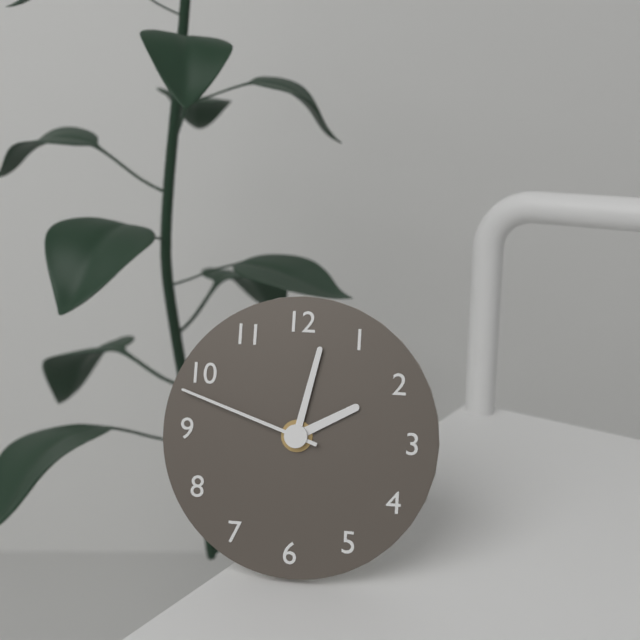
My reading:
2 h 02 min 48 s
